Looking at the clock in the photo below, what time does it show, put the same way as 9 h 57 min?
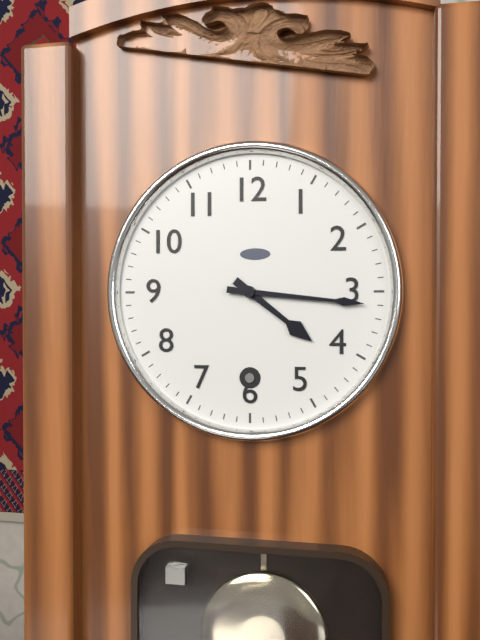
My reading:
4 h 16 min
